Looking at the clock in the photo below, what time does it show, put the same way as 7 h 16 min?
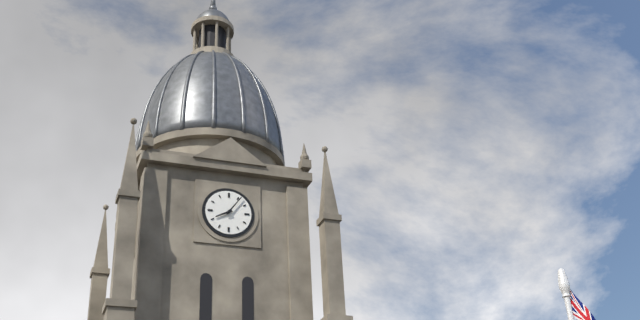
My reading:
8 h 06 min
